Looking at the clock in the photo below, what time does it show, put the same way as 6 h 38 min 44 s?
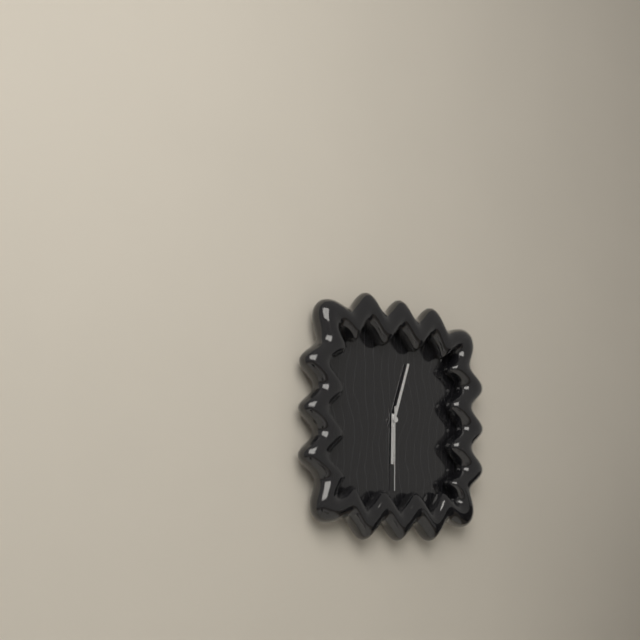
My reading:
6 h 03 min 30 s
